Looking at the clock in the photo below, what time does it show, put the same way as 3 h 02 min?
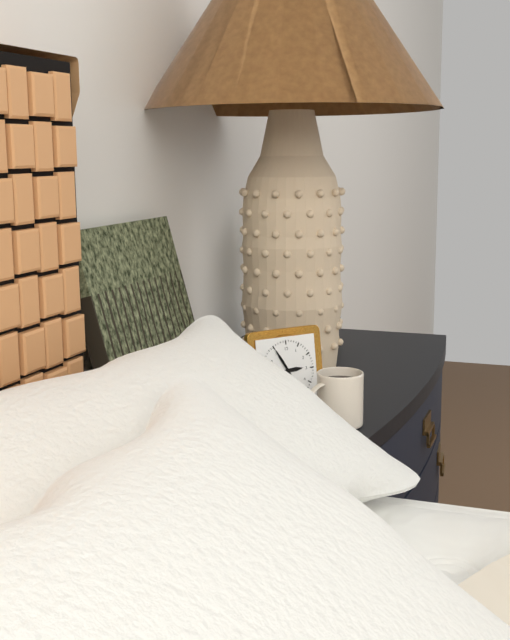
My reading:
2 h 55 min
